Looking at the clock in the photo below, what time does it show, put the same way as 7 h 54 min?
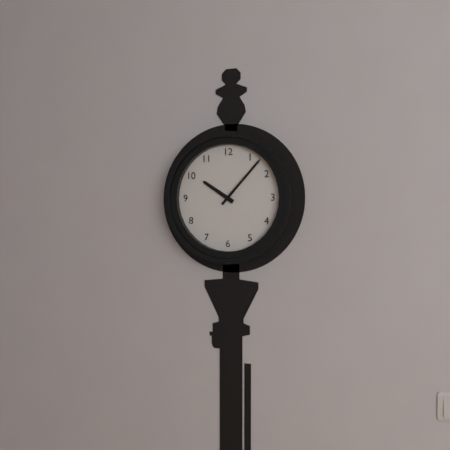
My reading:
10 h 07 min
